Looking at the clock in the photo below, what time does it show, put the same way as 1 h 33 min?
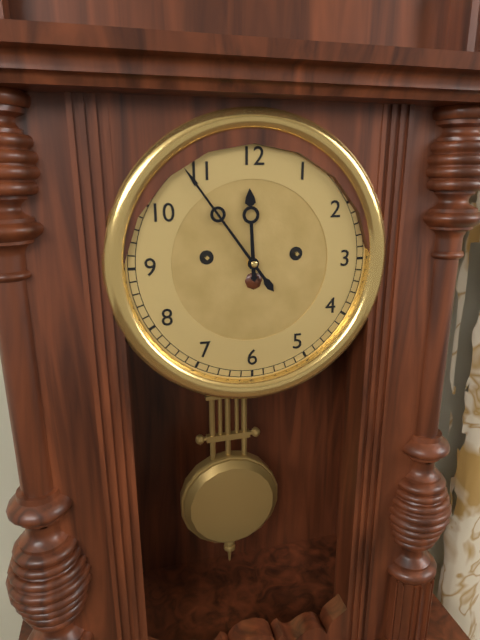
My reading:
11 h 54 min
